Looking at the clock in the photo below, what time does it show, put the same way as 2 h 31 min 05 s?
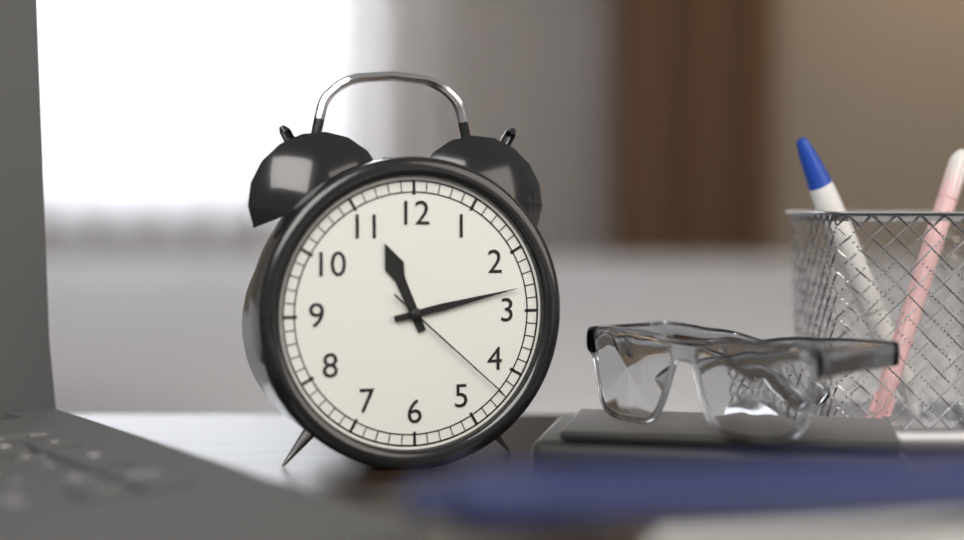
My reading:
11 h 13 min 22 s
